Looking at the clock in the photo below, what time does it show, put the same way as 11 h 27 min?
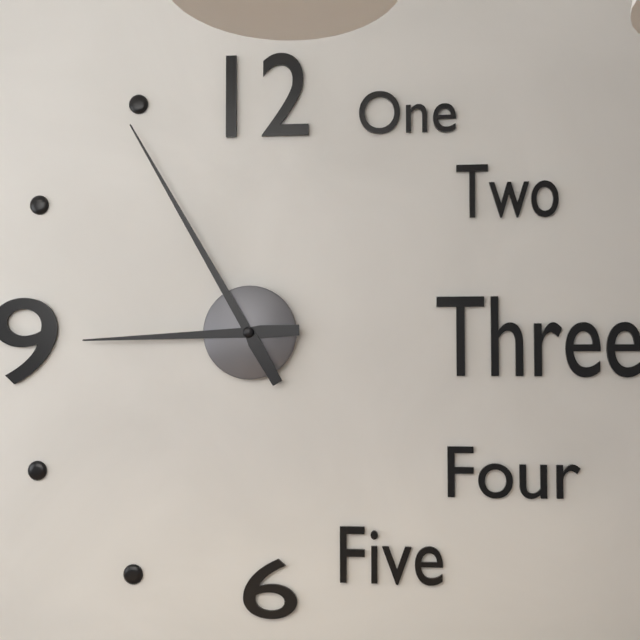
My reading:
8 h 55 min
